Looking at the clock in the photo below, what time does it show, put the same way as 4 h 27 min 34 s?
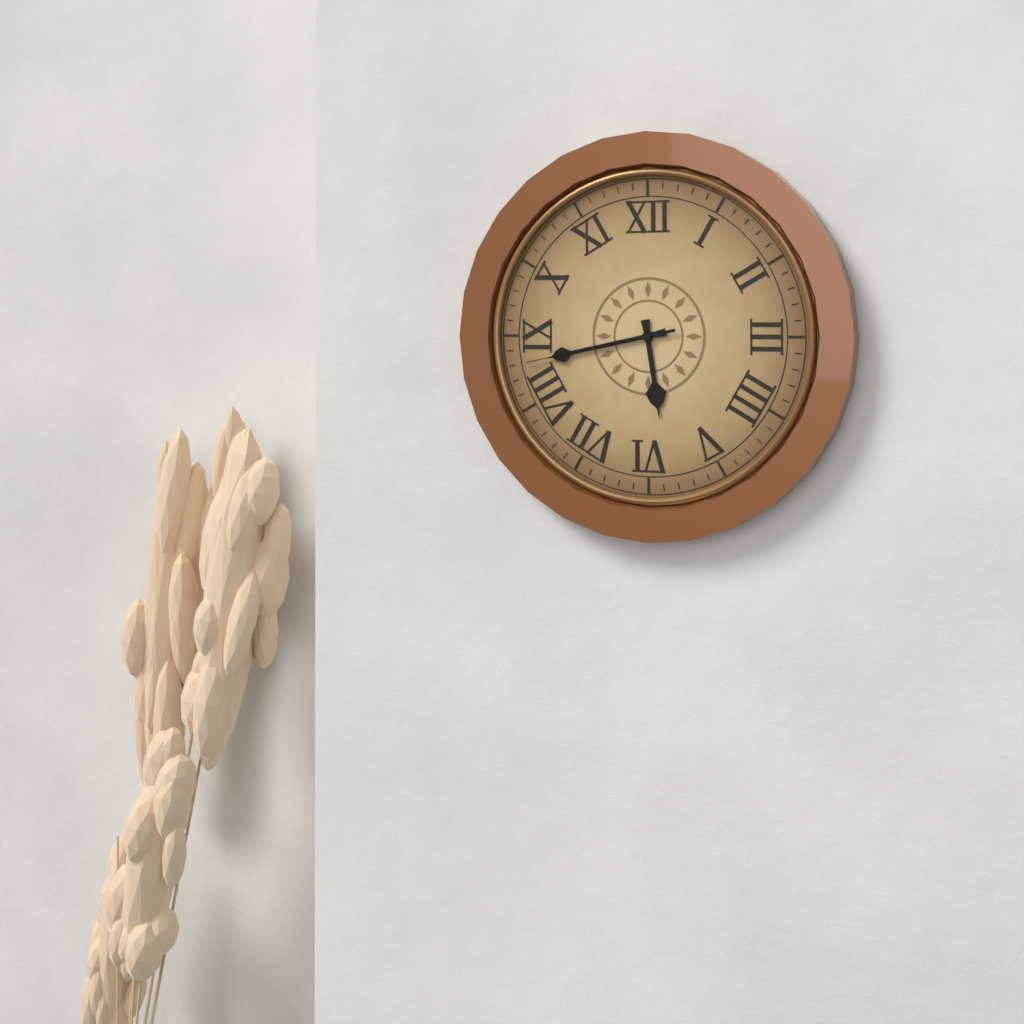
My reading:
5 h 43 min 43 s
